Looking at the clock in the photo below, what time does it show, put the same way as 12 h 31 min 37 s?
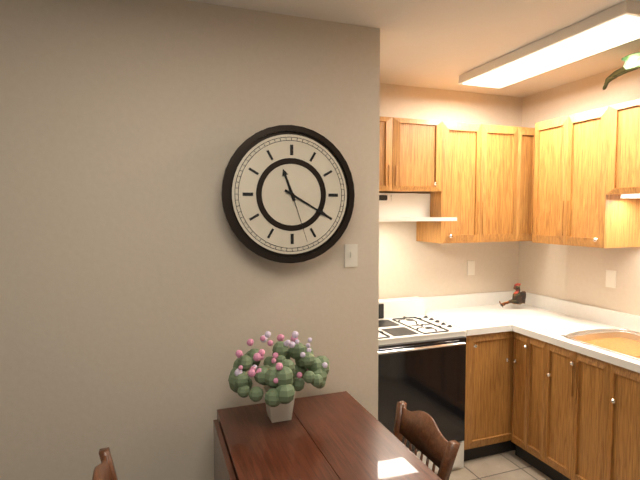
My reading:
11 h 20 min 27 s
